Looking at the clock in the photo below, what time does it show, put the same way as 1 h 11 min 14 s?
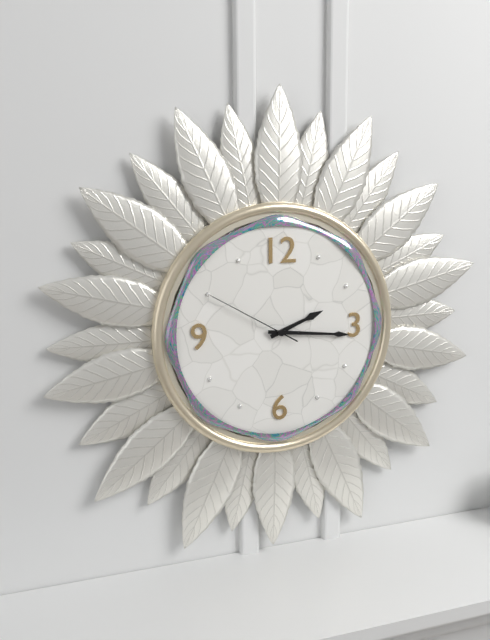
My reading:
2 h 16 min 50 s
